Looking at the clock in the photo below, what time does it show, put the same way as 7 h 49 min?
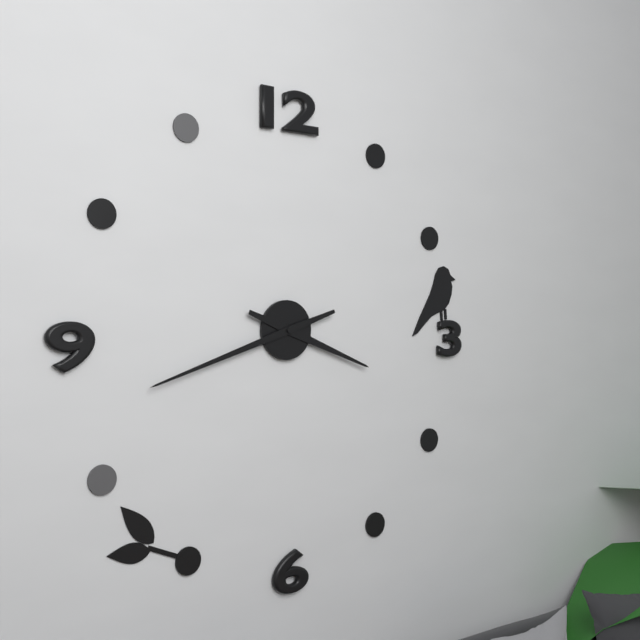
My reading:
3 h 42 min
